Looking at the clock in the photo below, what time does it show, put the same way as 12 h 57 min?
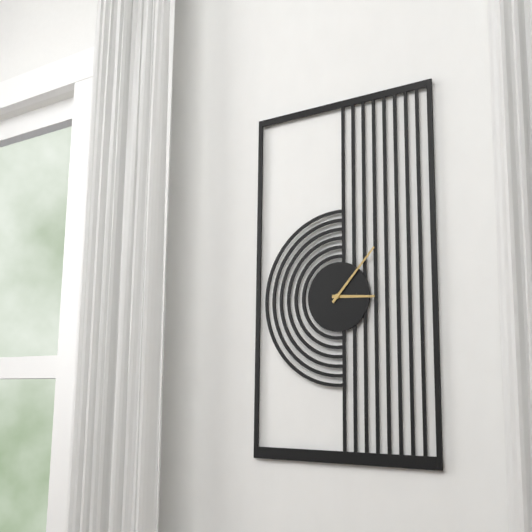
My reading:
3 h 07 min
